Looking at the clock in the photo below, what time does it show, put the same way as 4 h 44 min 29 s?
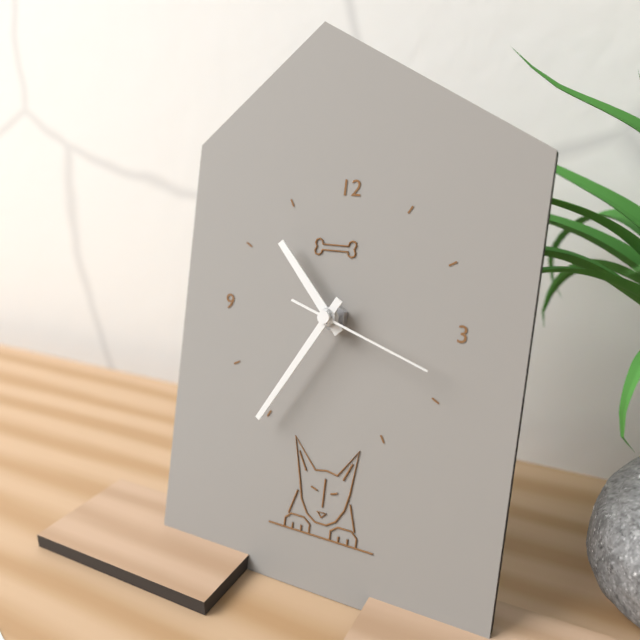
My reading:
10 h 35 min 18 s
